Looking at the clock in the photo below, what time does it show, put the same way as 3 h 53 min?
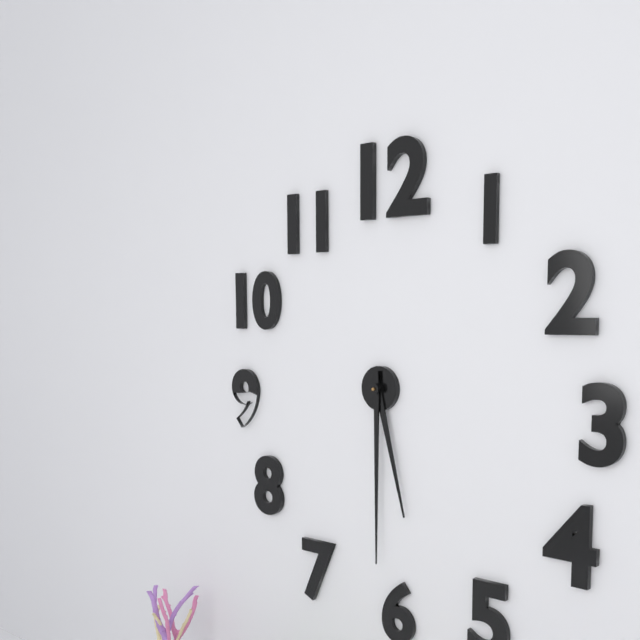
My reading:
5 h 30 min
